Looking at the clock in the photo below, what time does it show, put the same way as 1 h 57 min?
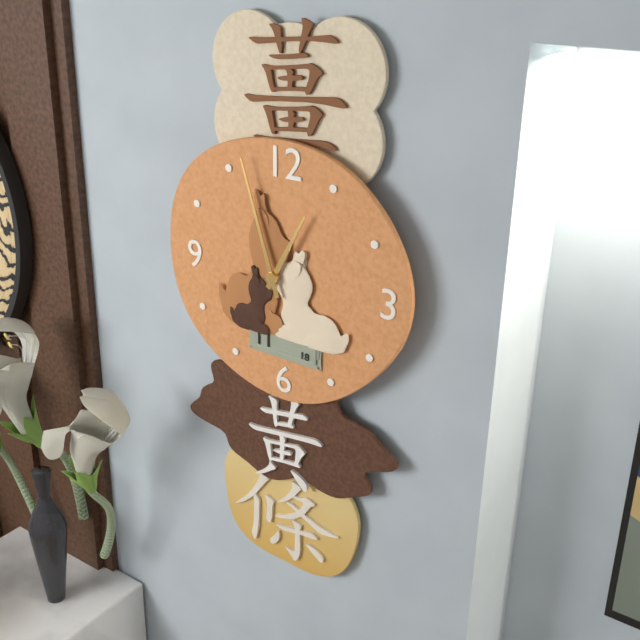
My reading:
12 h 57 min
